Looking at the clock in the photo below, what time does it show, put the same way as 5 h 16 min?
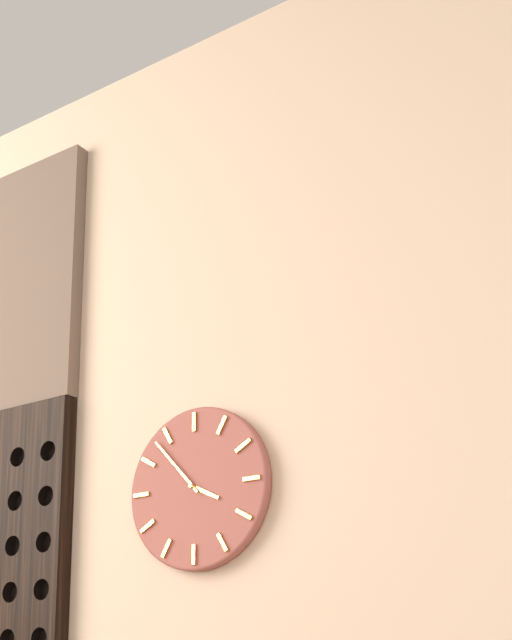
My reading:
3 h 53 min
